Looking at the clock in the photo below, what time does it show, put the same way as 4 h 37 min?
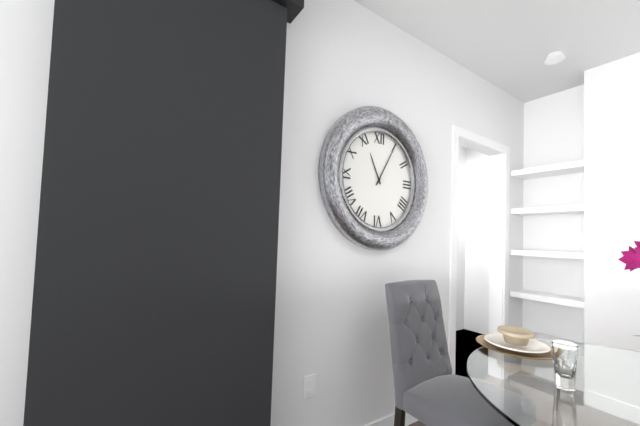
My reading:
11 h 05 min
